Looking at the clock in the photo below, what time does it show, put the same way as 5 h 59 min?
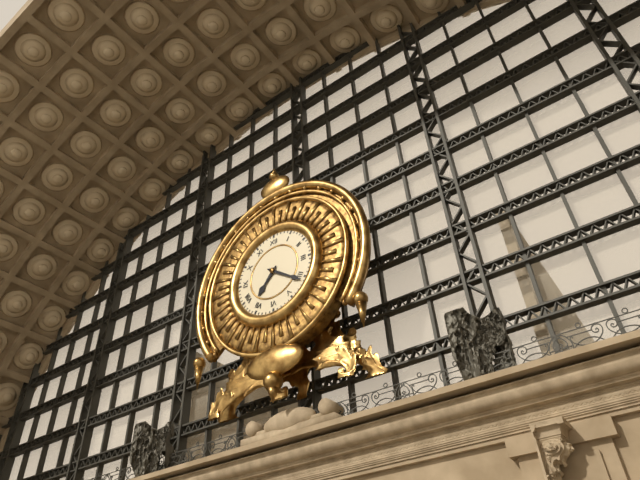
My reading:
7 h 21 min
